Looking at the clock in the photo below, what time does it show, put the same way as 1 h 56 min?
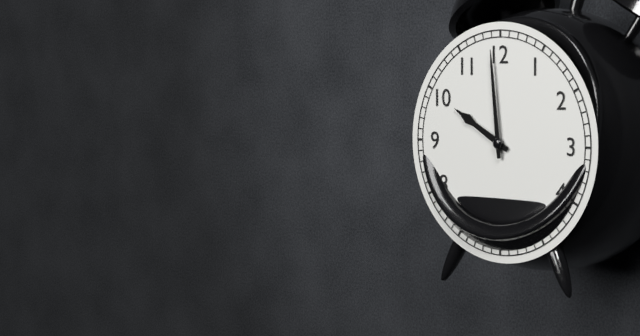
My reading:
9 h 59 min
